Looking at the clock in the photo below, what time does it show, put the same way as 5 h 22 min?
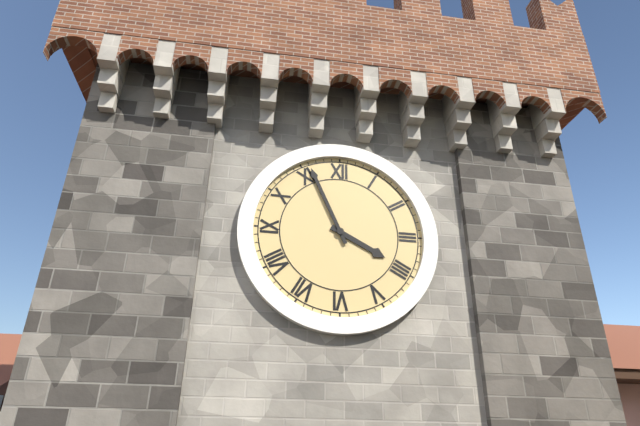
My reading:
3 h 56 min
